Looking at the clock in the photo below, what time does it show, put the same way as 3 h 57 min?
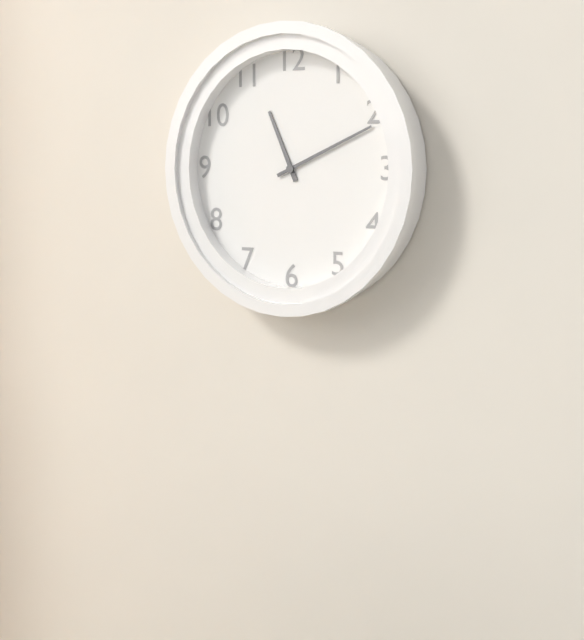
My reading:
11 h 11 min
